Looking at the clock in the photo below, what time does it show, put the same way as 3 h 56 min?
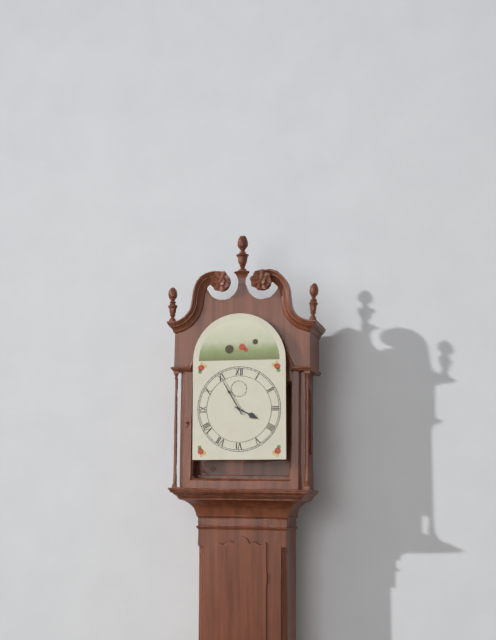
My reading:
3 h 55 min
